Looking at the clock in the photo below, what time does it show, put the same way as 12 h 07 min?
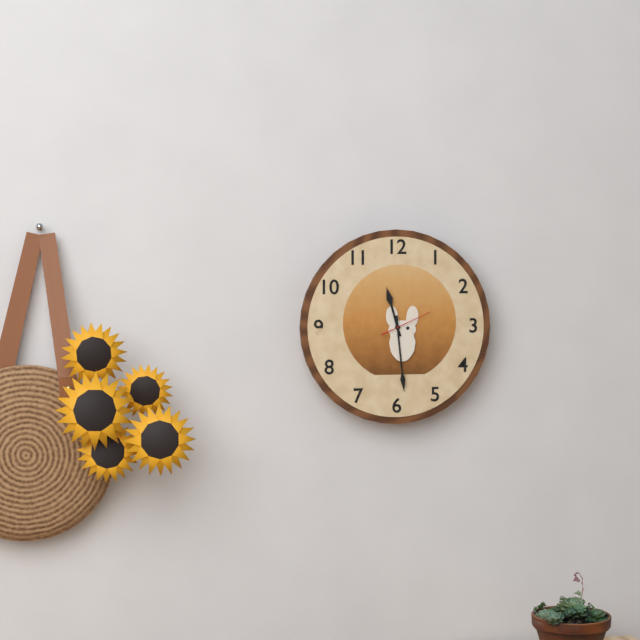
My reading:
11 h 29 min
